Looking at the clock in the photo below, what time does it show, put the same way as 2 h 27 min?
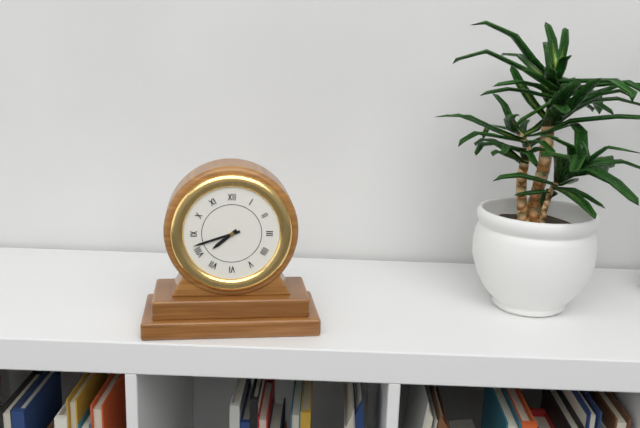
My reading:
7 h 42 min
